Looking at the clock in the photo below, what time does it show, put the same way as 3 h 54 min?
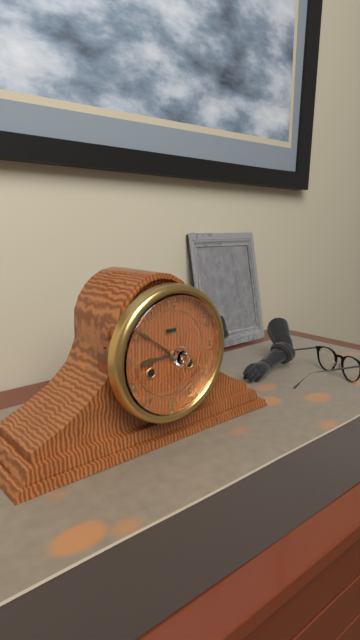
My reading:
8 h 51 min
